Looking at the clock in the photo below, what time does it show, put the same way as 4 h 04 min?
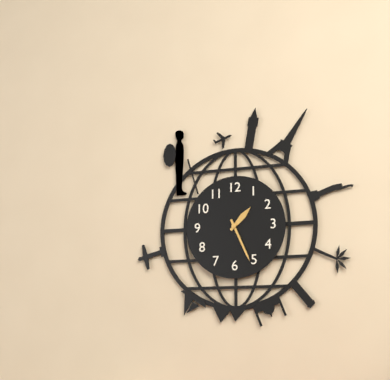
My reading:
1 h 26 min
